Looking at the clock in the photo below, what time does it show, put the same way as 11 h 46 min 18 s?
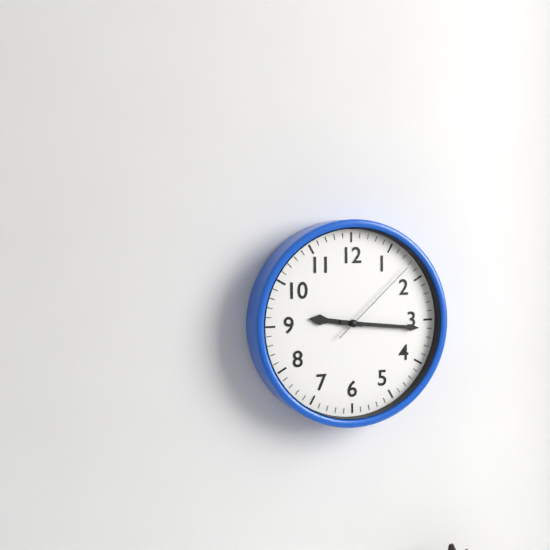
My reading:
9 h 16 min 08 s
